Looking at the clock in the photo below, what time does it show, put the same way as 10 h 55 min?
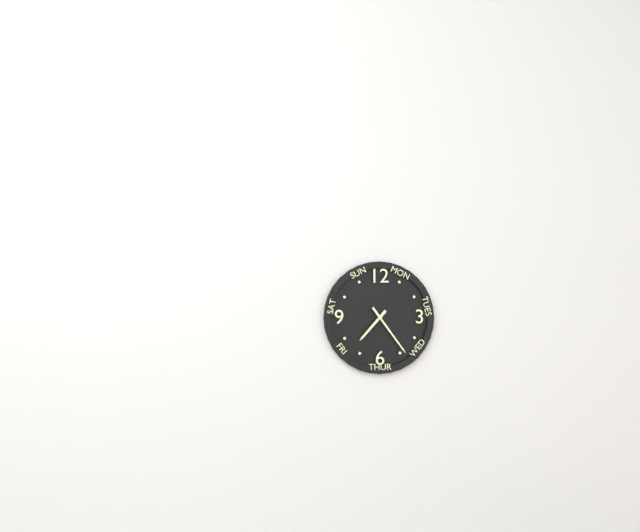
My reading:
7 h 24 min
